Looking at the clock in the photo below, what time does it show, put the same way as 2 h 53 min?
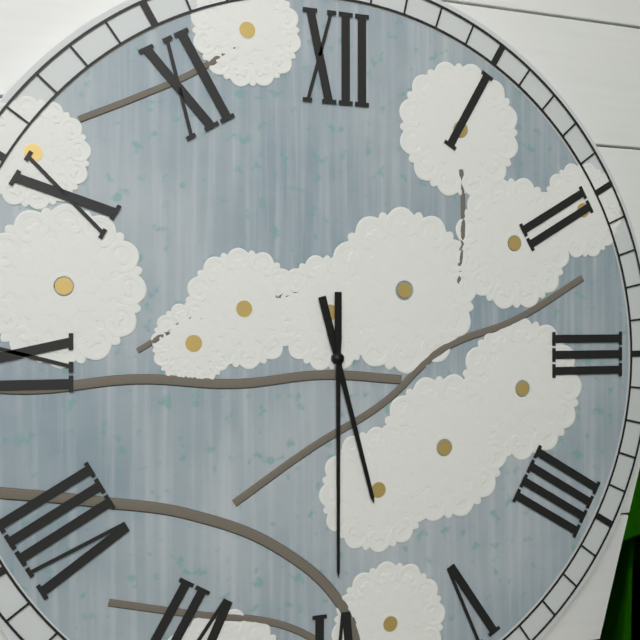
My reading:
5 h 30 min
